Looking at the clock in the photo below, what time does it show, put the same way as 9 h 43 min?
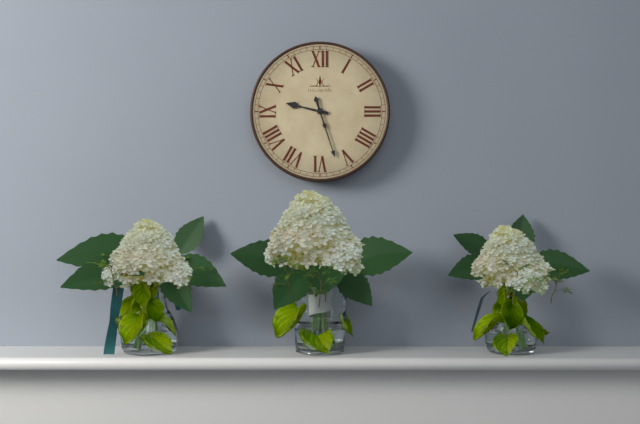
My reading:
9 h 27 min
